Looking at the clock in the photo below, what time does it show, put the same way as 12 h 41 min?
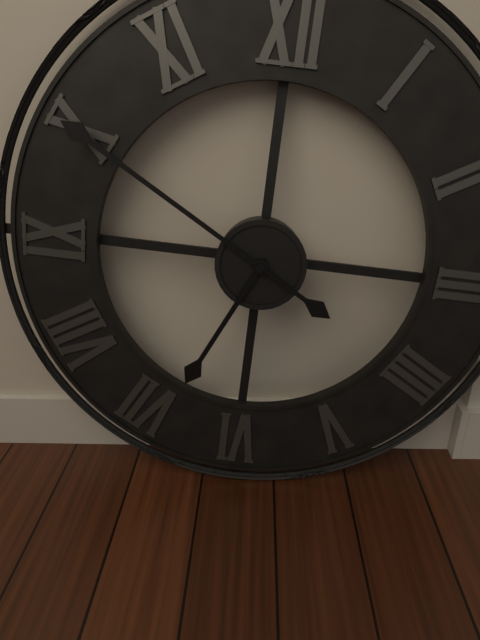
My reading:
6 h 50 min
